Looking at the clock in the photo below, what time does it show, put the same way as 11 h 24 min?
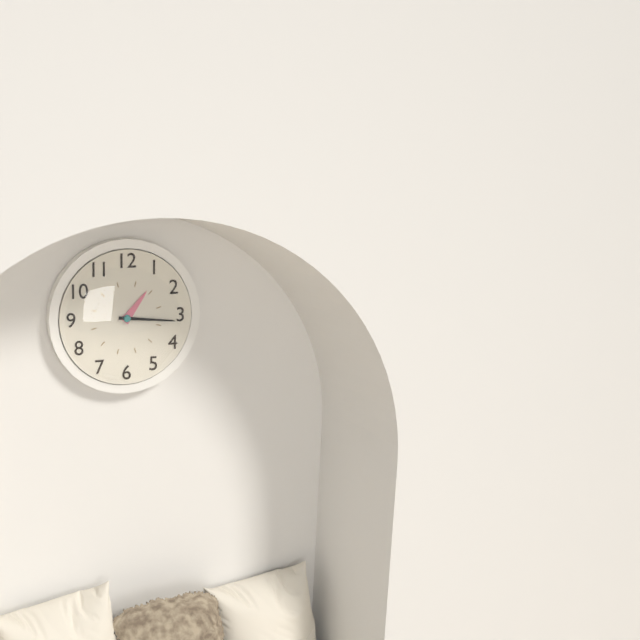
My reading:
1 h 16 min
